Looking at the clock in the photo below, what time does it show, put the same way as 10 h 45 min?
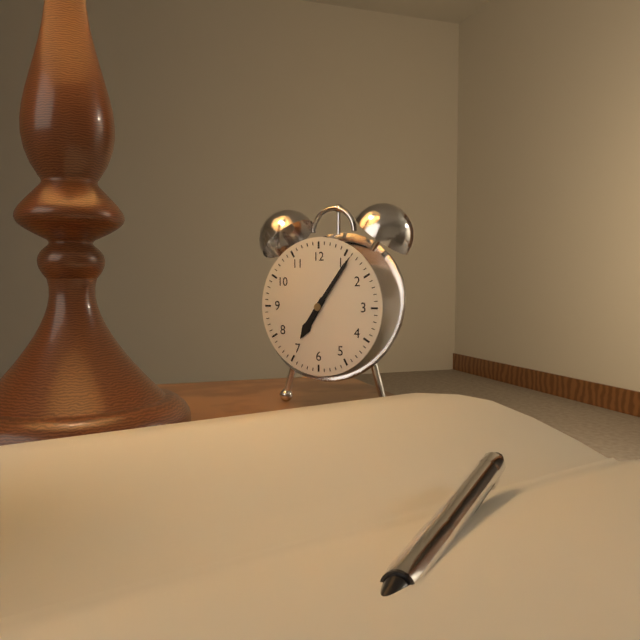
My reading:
7 h 06 min
